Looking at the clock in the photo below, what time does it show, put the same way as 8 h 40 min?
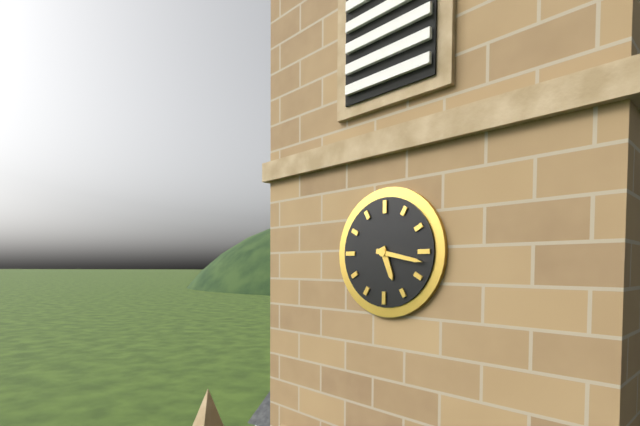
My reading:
5 h 17 min
